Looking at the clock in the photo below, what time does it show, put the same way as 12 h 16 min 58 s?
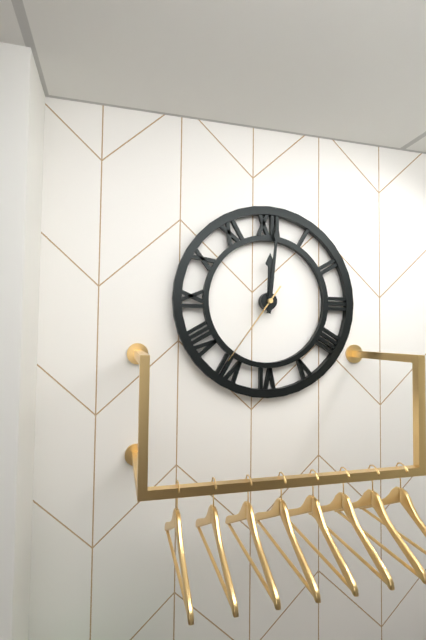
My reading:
12 h 01 min 36 s
